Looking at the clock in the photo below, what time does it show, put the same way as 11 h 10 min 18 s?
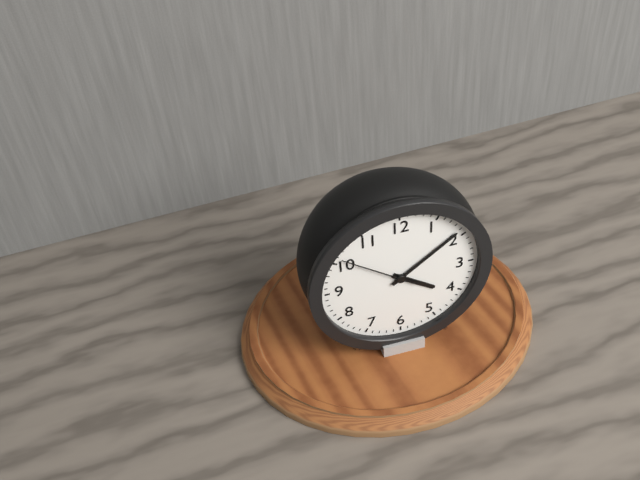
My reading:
4 h 09 min 51 s
